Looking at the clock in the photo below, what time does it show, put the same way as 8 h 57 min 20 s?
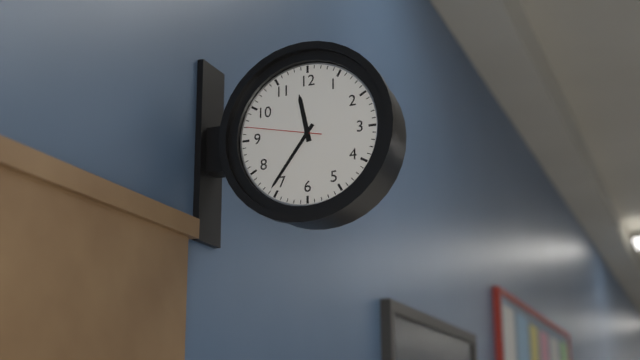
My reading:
11 h 36 min 47 s
